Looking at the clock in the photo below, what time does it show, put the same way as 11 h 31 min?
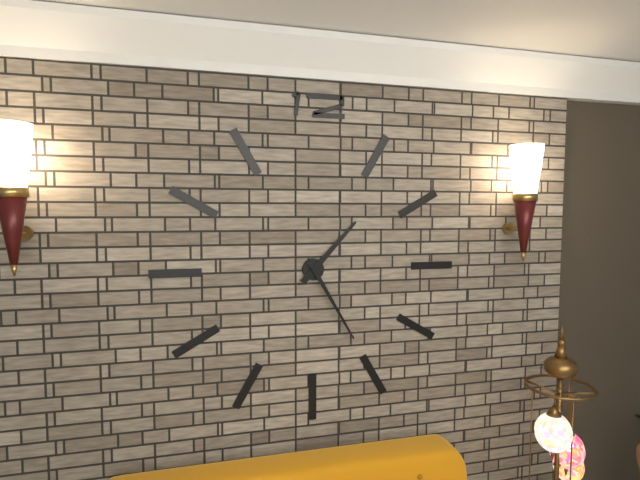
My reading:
1 h 25 min
